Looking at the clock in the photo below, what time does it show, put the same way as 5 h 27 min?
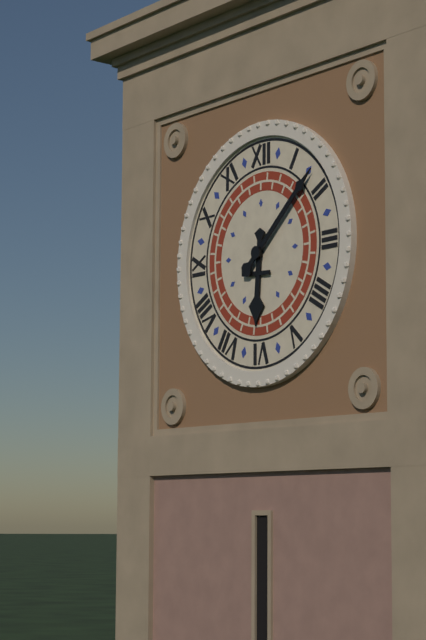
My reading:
6 h 08 min
